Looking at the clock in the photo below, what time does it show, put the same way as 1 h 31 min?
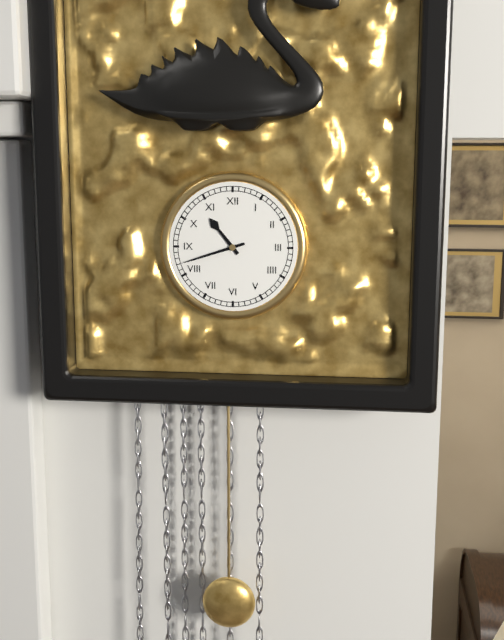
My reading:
10 h 42 min
